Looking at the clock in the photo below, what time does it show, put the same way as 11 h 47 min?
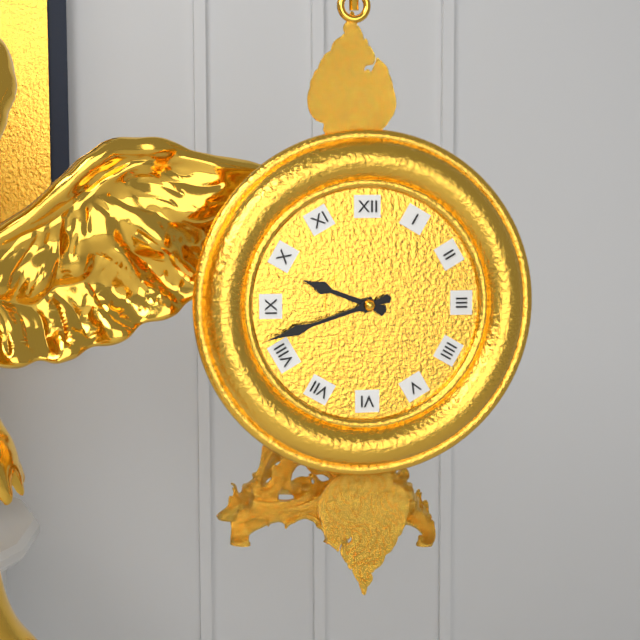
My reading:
9 h 42 min
